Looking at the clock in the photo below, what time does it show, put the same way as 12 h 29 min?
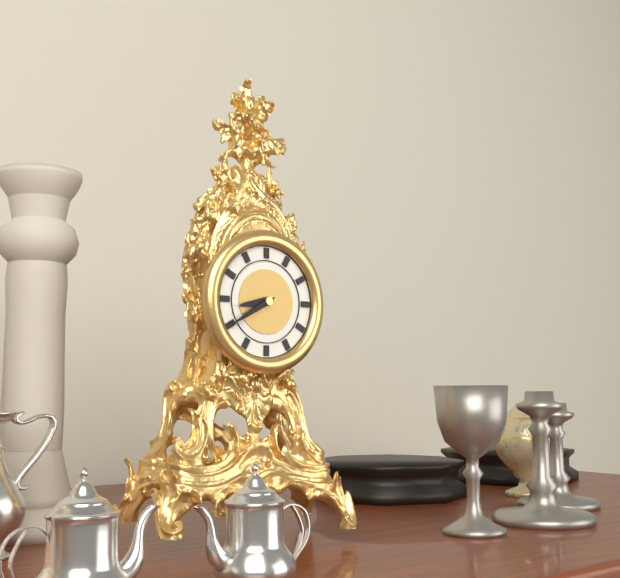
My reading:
8 h 40 min
